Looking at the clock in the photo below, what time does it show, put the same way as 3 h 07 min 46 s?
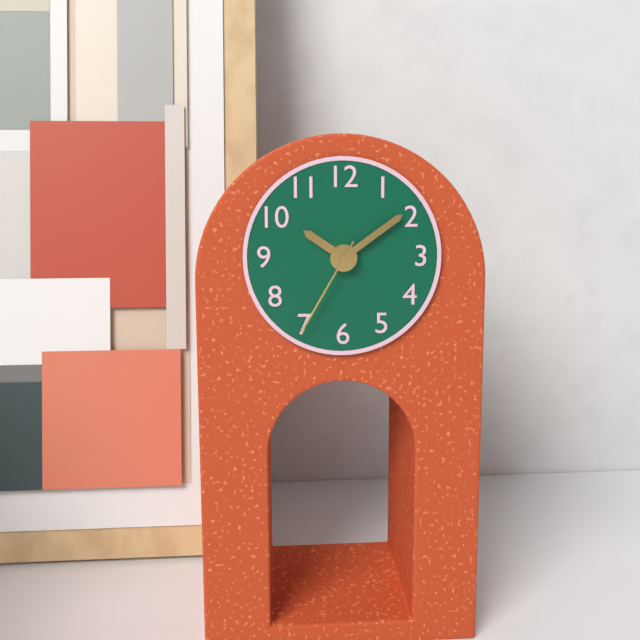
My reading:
10 h 09 min 35 s
